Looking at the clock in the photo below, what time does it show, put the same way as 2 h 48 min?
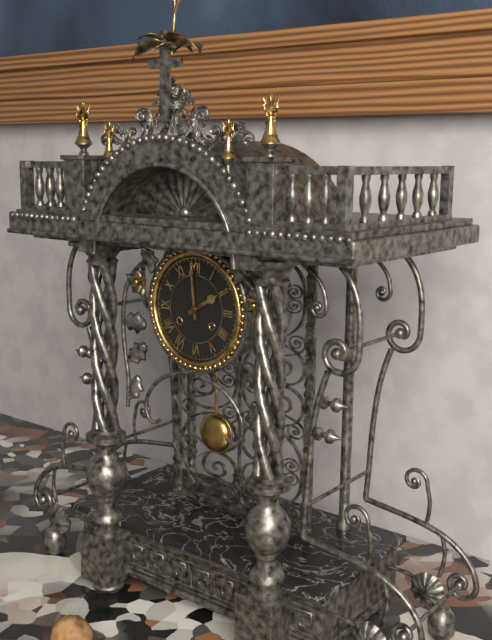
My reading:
1 h 59 min
